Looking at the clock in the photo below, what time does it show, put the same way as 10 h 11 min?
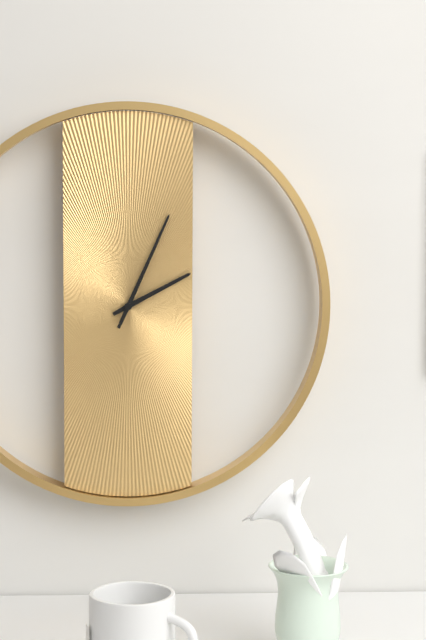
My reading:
2 h 04 min
